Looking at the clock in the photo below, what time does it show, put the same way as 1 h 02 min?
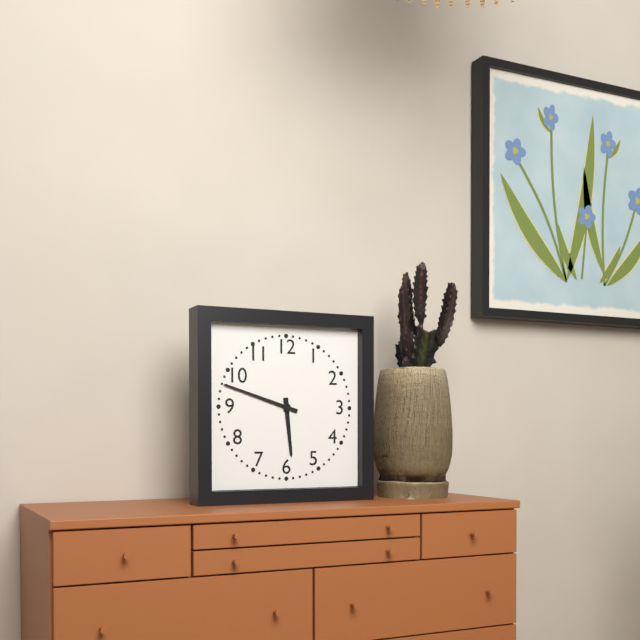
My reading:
5 h 48 min
